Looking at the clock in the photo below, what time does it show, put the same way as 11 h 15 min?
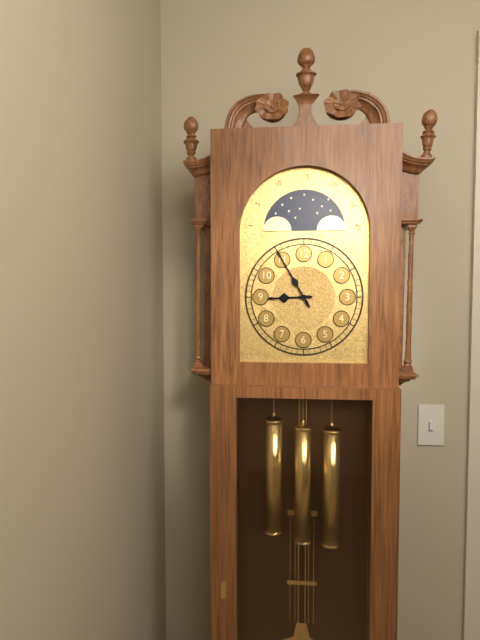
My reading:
8 h 55 min
